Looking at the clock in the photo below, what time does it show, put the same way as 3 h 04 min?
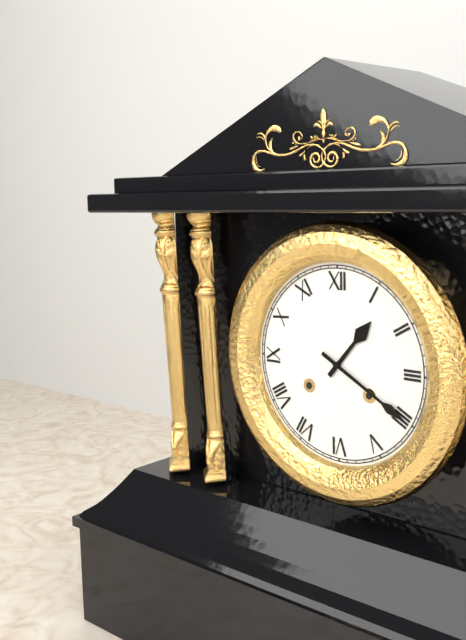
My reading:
1 h 20 min
